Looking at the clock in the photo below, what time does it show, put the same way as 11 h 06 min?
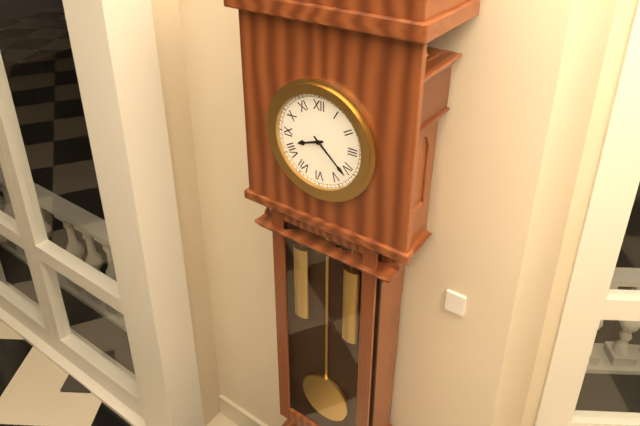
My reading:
8 h 22 min
